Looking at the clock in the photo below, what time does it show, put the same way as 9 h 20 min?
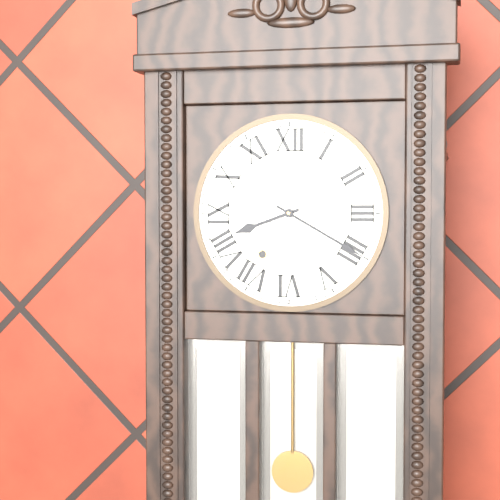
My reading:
8 h 20 min
